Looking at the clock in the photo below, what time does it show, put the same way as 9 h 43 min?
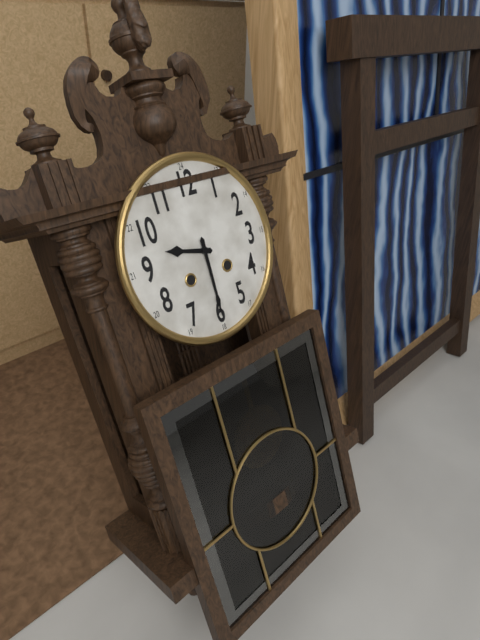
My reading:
9 h 30 min
